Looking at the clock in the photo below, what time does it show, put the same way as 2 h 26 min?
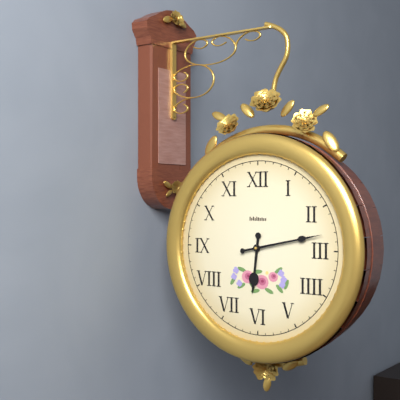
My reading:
6 h 13 min
